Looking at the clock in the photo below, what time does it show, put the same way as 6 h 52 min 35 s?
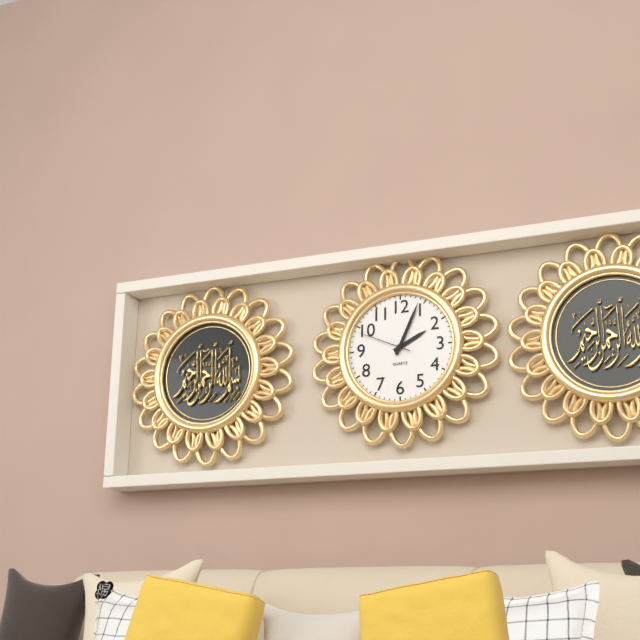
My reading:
2 h 04 min 49 s
